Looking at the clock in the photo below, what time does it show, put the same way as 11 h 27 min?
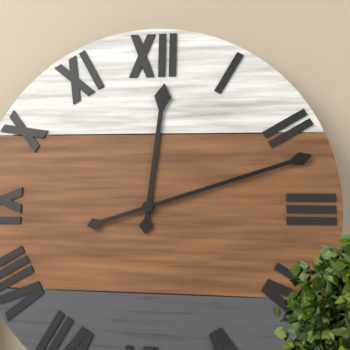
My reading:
12 h 12 min
